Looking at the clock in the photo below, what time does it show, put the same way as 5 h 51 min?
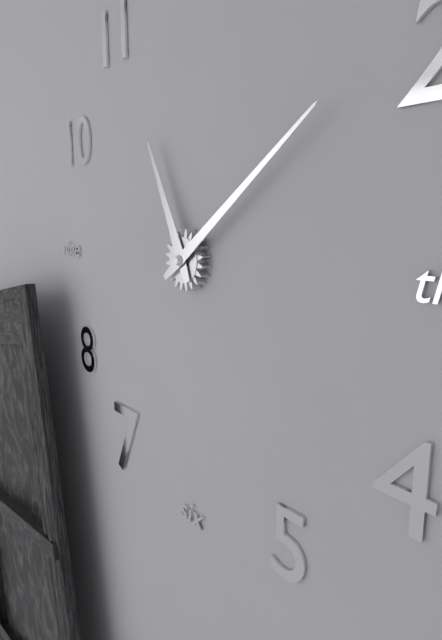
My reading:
11 h 09 min
